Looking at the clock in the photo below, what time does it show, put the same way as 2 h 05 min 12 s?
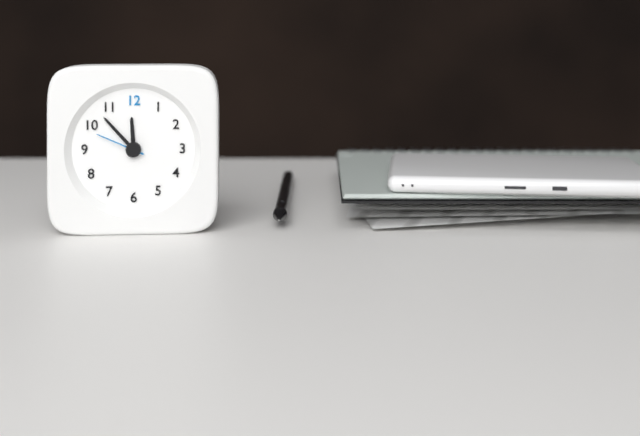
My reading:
11 h 53 min 49 s
